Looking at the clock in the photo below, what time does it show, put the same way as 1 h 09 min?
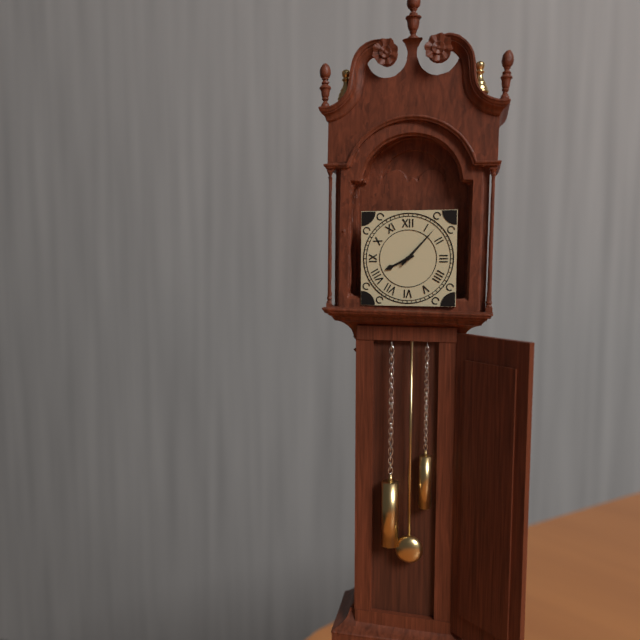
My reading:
8 h 07 min
